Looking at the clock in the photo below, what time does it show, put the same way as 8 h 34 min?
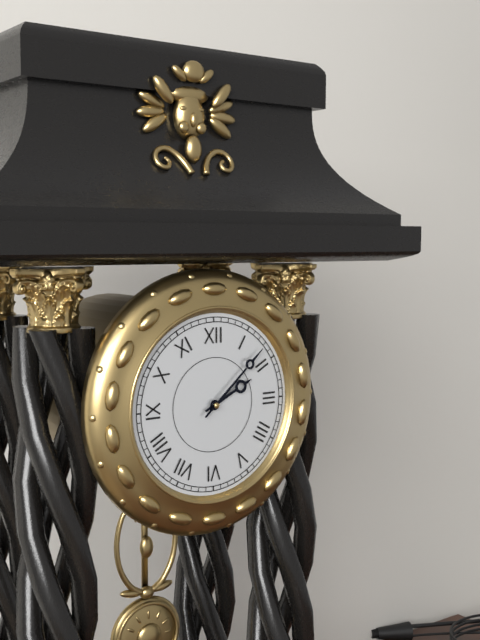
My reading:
2 h 08 min
